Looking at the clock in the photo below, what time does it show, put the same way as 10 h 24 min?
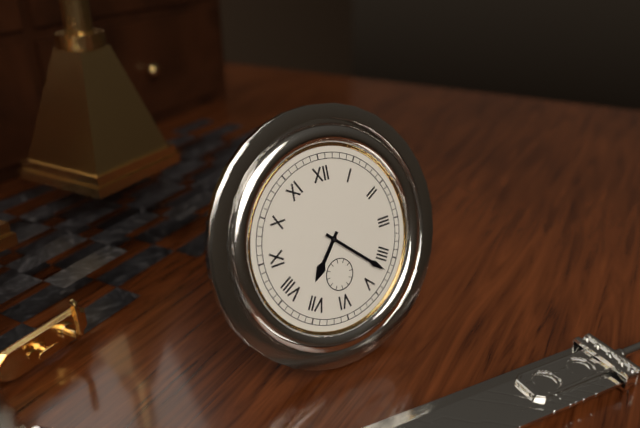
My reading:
7 h 22 min
